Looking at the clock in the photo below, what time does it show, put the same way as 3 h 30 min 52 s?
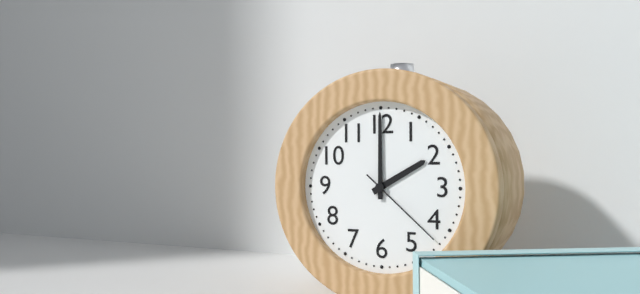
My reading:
2 h 00 min 22 s
